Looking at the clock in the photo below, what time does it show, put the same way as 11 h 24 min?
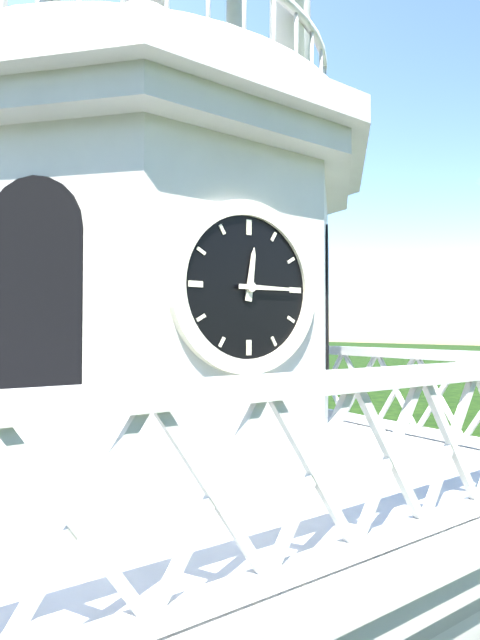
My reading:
12 h 15 min
